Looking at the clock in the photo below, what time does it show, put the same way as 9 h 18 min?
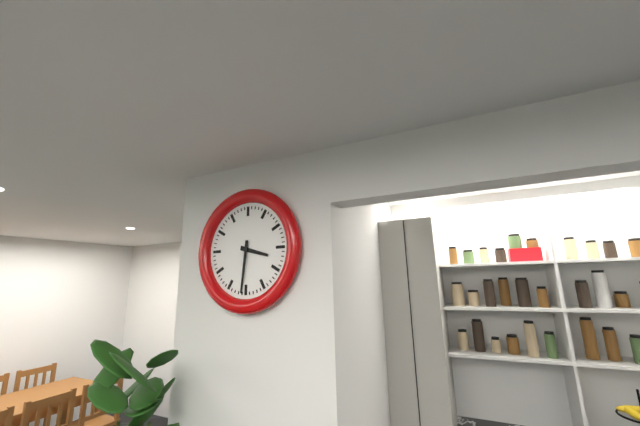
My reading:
3 h 31 min
